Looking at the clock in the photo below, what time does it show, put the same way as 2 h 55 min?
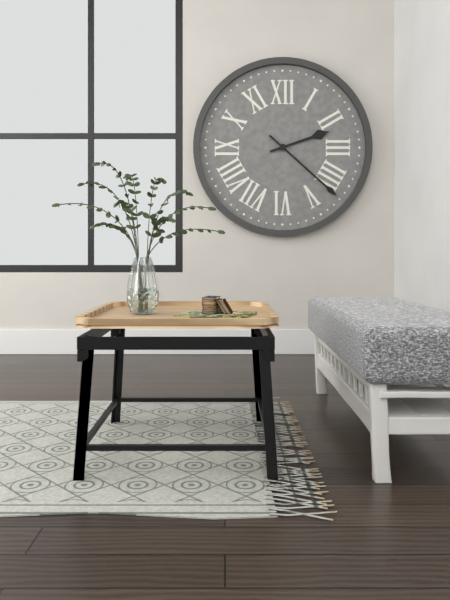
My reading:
2 h 22 min
